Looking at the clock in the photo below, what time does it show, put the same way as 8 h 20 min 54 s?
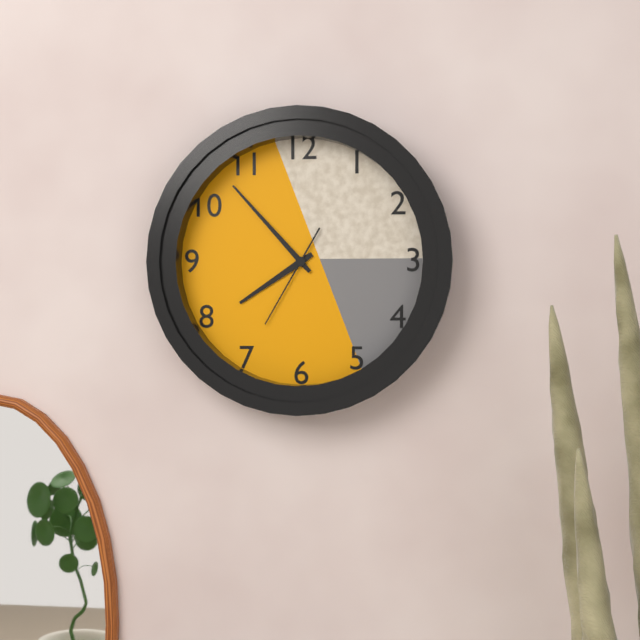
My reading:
7 h 53 min 35 s
